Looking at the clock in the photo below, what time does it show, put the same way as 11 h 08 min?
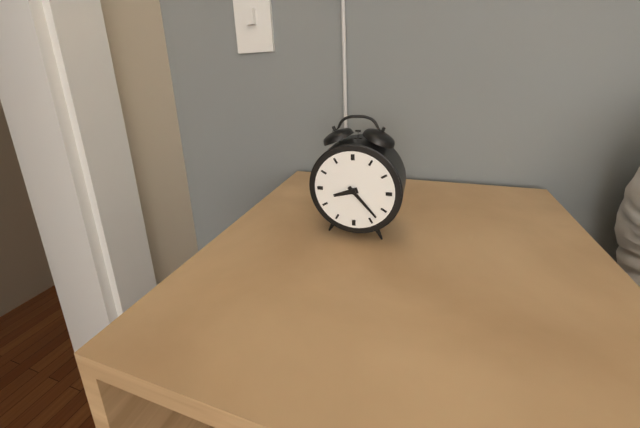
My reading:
8 h 23 min
